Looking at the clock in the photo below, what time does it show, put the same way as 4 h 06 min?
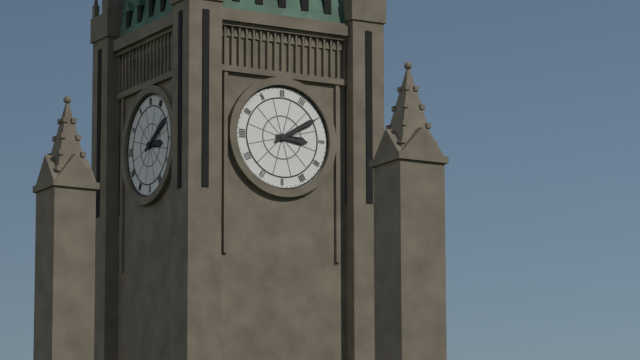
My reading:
3 h 10 min
